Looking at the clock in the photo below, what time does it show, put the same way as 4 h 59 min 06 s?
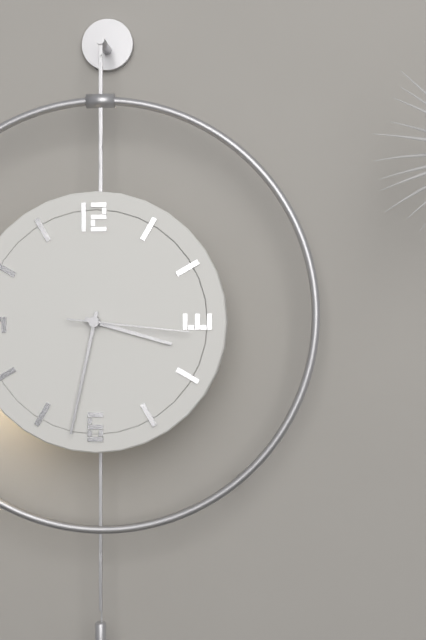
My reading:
3 h 32 min 16 s
